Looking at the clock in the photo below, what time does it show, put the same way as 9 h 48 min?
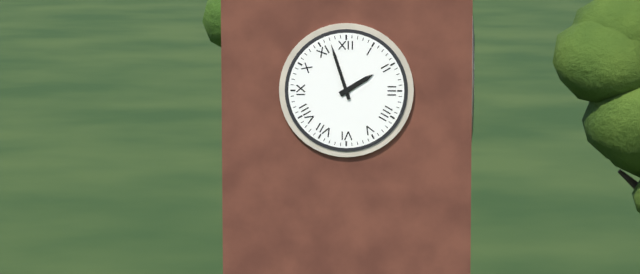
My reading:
1 h 57 min
